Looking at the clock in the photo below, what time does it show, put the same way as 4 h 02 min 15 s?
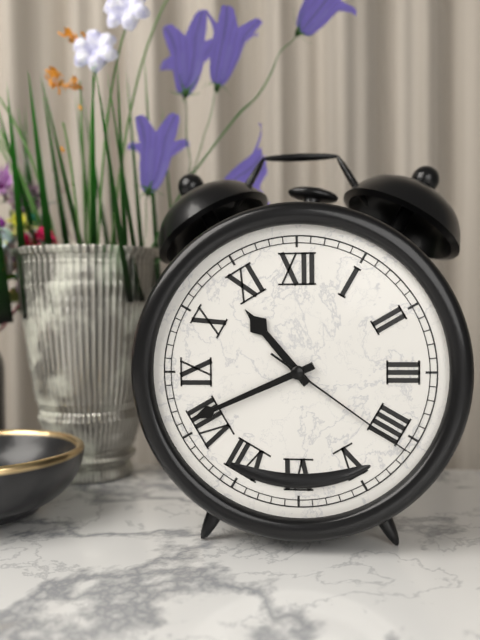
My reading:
10 h 41 min 21 s
